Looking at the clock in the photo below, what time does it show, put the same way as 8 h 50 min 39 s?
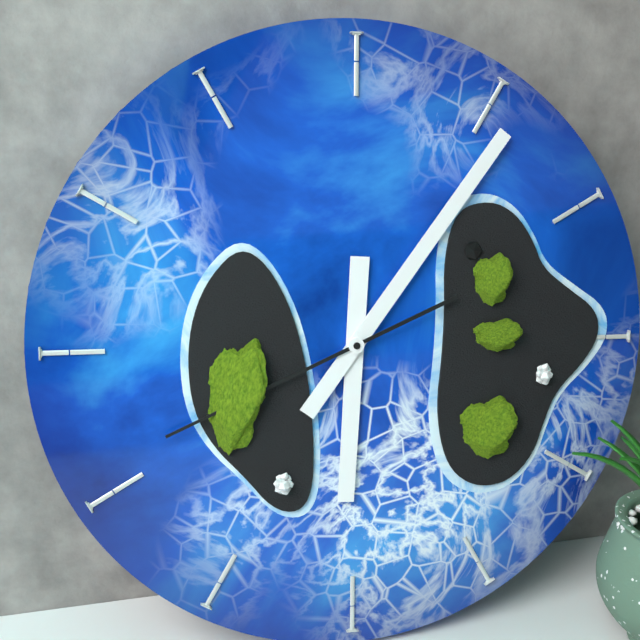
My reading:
6 h 06 min 41 s
